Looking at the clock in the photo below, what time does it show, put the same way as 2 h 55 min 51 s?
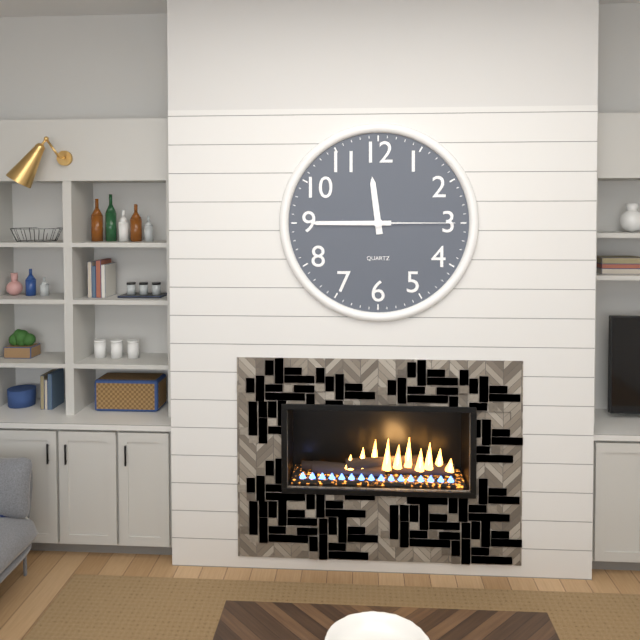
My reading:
11 h 45 min 15 s
